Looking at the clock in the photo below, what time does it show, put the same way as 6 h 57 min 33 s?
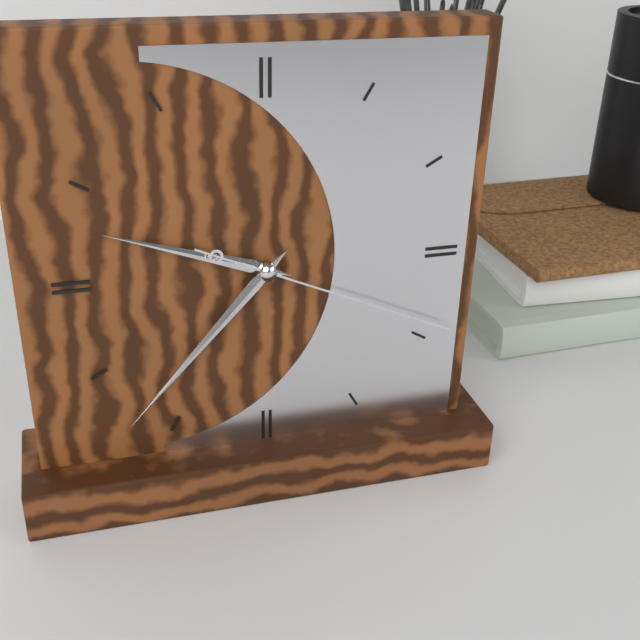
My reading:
9 h 37 min 19 s
